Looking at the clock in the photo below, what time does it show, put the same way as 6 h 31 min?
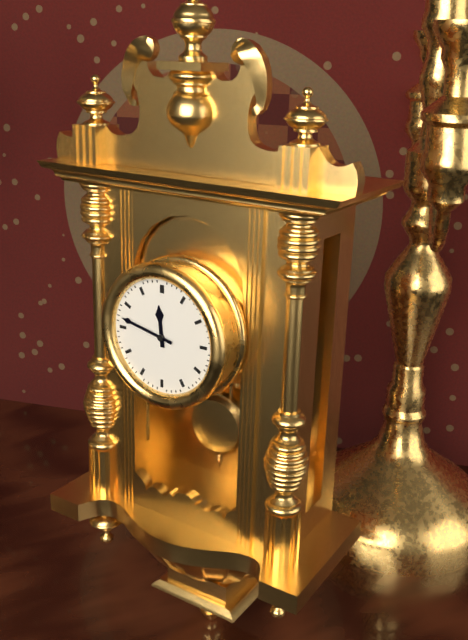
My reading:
11 h 47 min
